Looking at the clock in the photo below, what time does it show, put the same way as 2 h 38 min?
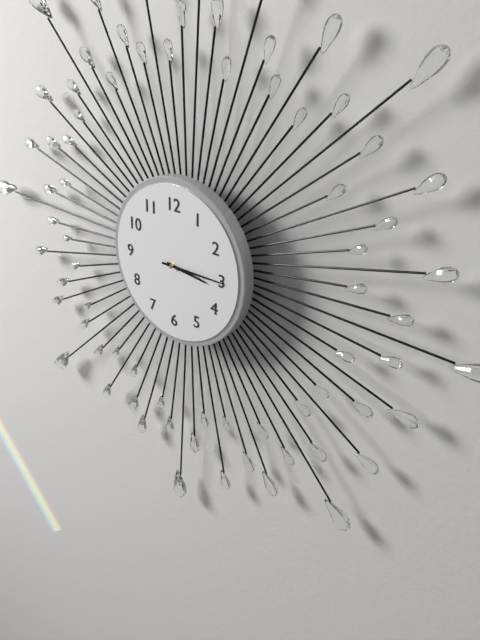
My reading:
3 h 15 min
